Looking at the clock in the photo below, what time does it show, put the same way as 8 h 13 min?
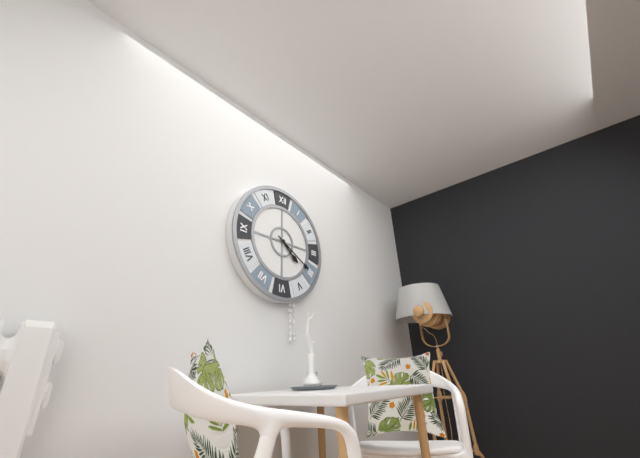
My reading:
4 h 20 min
